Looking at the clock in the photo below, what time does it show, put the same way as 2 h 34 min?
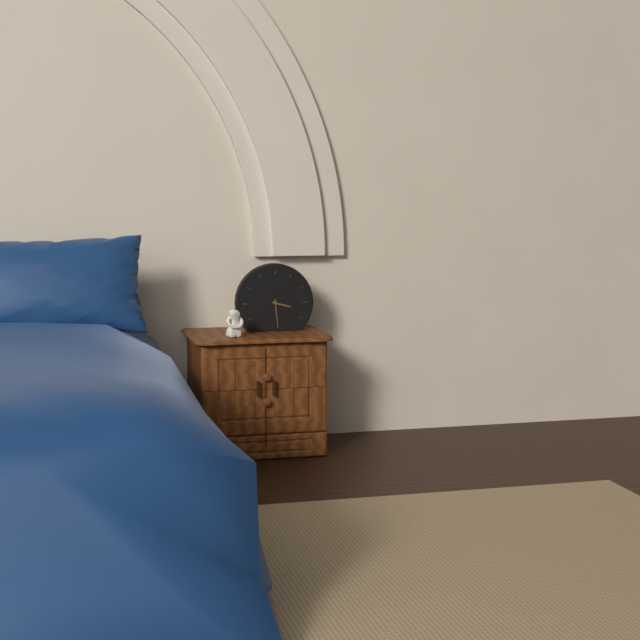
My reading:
3 h 29 min
